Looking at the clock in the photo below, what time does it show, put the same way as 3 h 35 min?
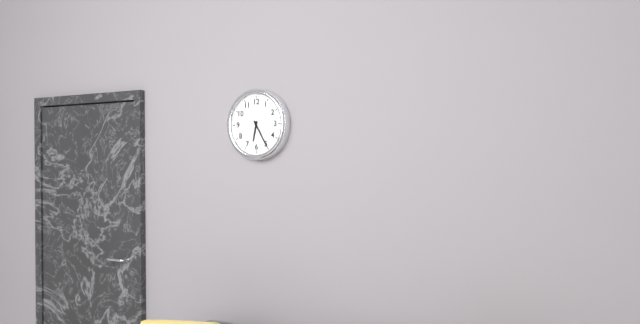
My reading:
6 h 25 min
